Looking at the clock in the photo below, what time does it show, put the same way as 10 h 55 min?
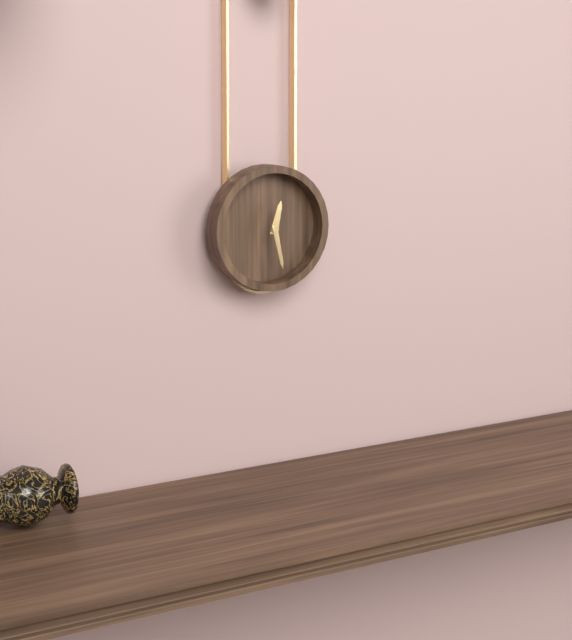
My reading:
12 h 28 min
